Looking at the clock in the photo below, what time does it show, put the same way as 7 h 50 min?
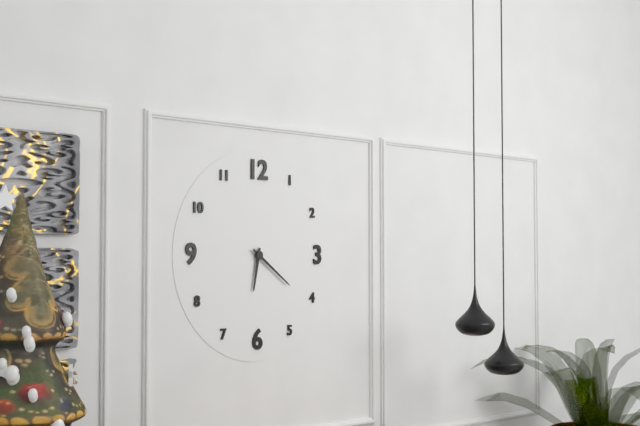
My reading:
6 h 21 min
